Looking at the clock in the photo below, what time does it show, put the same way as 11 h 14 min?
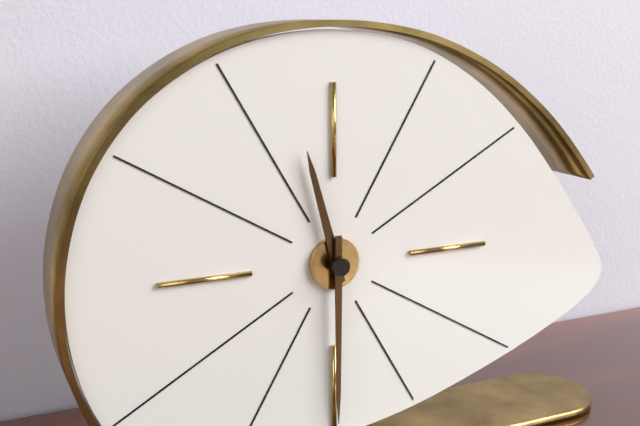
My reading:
11 h 30 min
